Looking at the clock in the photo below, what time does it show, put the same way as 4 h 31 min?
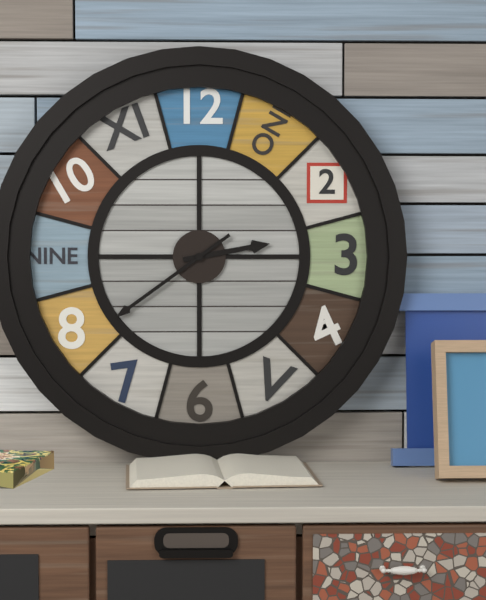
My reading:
2 h 39 min
